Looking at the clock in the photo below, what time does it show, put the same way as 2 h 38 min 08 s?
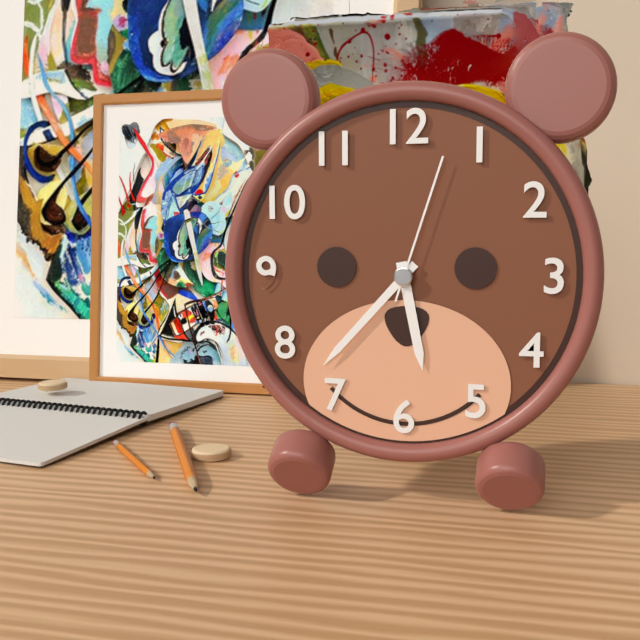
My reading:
5 h 37 min 03 s
